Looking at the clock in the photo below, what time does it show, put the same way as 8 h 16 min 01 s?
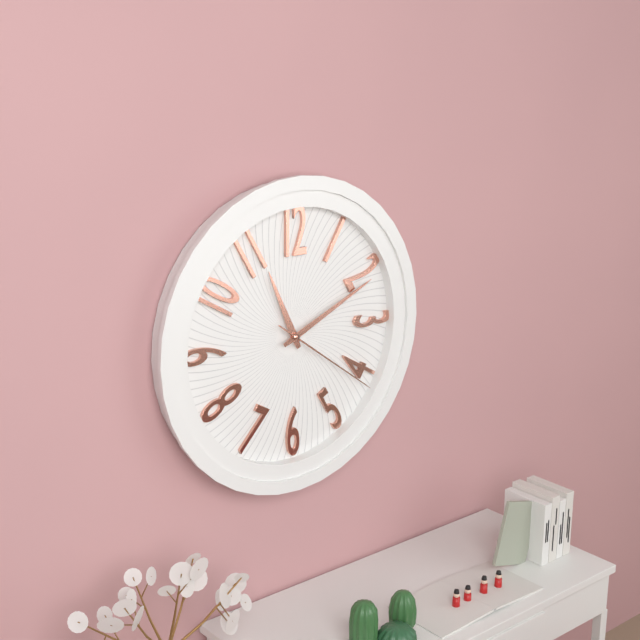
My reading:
11 h 11 min 21 s
